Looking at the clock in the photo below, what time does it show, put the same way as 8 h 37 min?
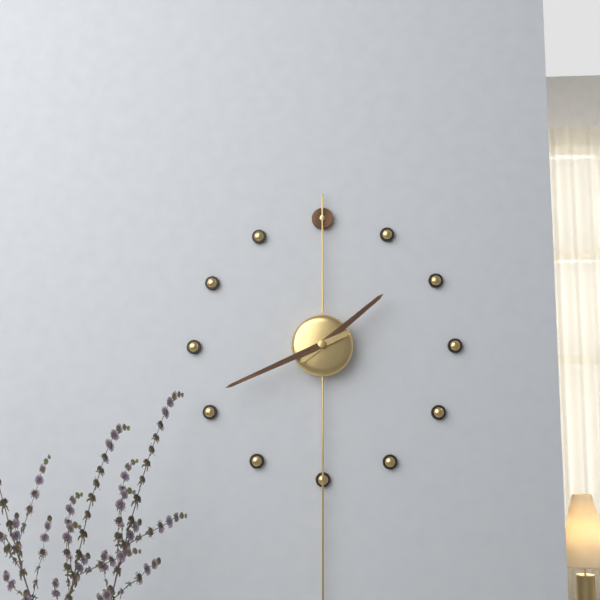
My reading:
1 h 41 min
